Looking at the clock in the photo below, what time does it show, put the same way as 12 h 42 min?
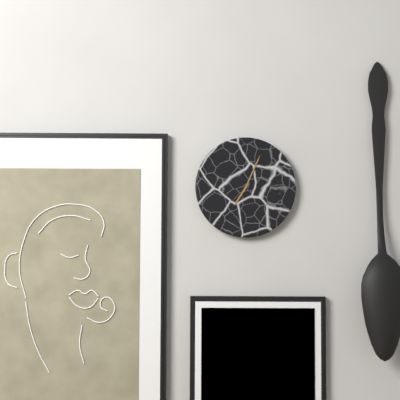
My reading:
7 h 04 min
